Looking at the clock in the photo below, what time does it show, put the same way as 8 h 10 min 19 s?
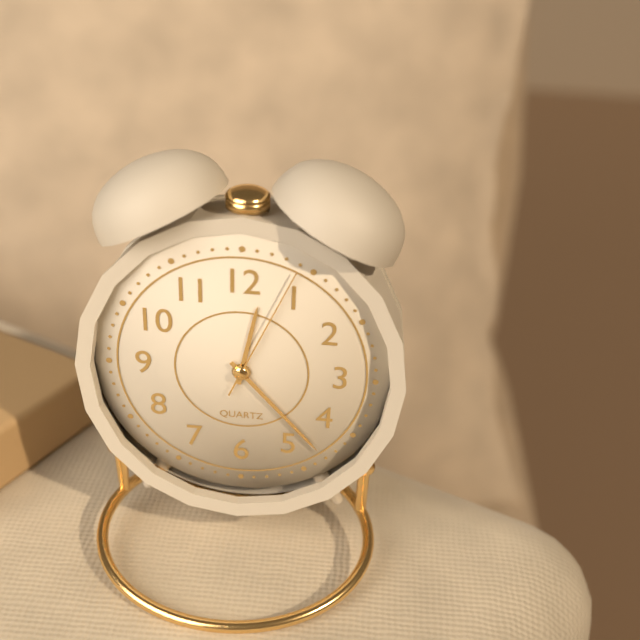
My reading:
12 h 23 min 04 s
